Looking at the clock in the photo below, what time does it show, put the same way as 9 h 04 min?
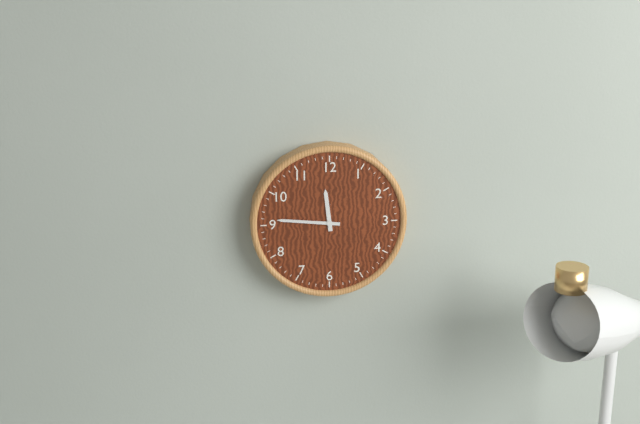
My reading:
11 h 46 min
